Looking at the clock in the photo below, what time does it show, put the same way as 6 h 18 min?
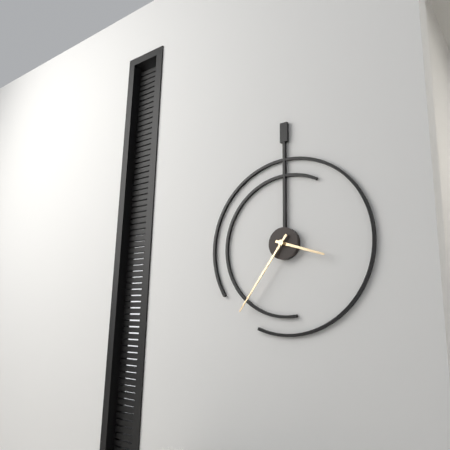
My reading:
3 h 36 min
